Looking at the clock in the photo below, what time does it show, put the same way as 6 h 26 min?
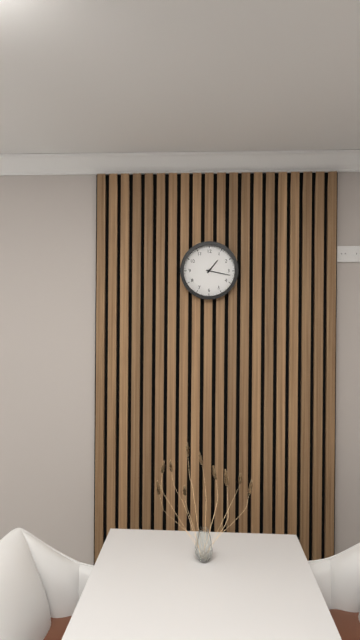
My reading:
1 h 17 min
